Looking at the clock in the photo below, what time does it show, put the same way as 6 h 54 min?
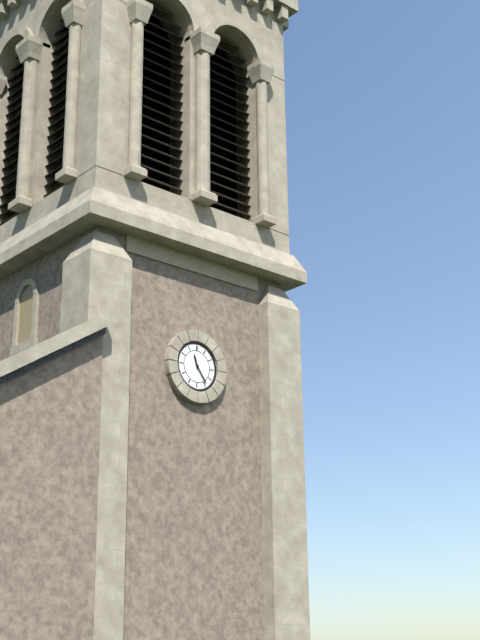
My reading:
11 h 24 min
